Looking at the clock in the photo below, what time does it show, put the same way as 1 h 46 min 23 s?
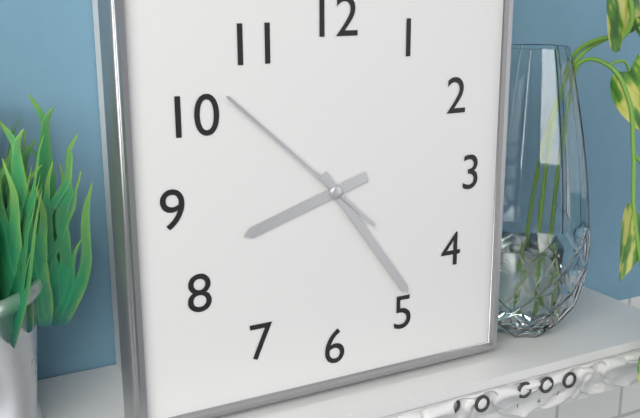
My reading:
8 h 24 min 52 s
